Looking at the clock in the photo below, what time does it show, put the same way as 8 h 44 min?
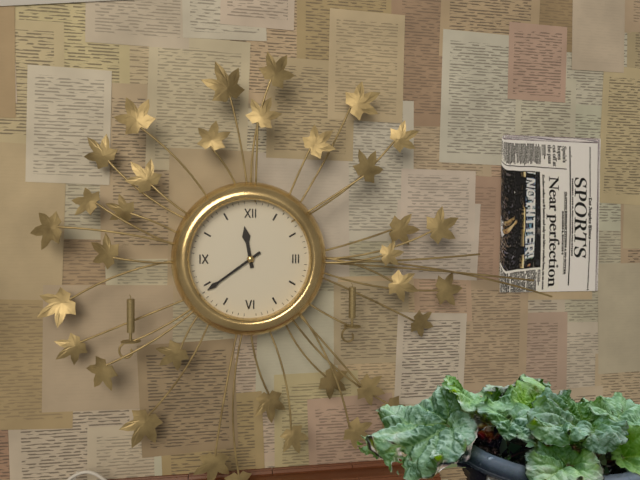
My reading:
11 h 39 min
